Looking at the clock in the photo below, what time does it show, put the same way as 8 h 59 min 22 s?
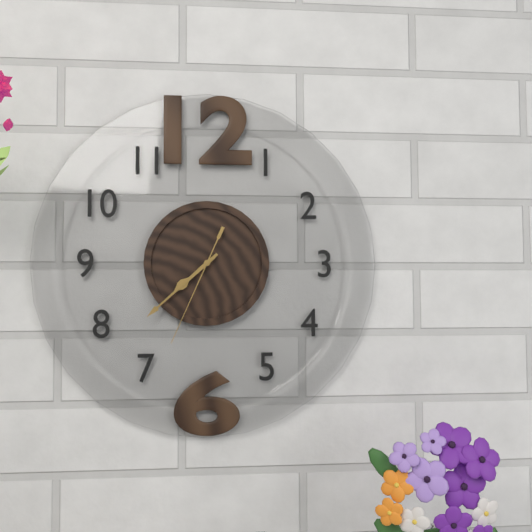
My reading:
7 h 38 min 34 s
